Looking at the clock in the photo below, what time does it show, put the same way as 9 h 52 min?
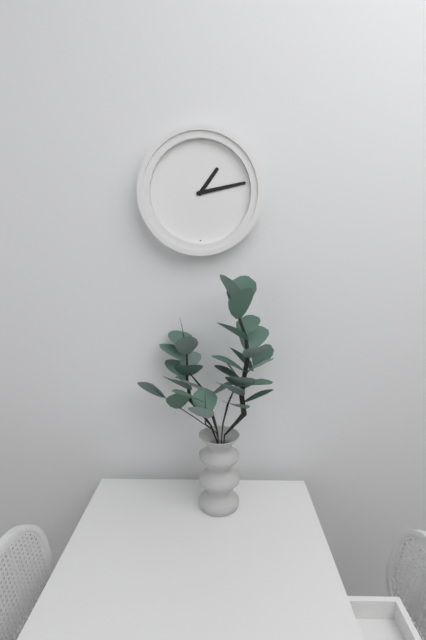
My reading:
1 h 13 min
